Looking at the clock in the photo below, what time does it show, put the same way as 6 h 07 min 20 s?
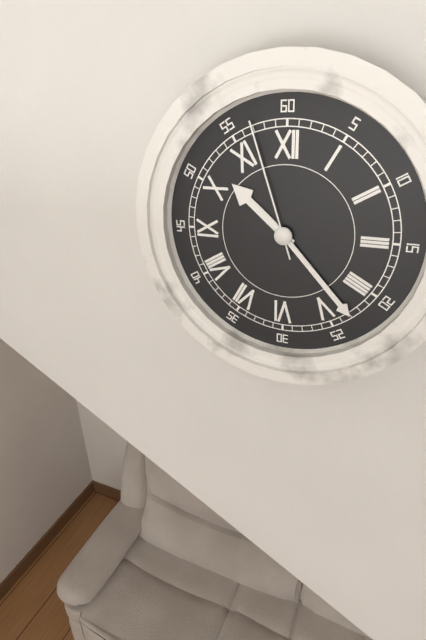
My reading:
10 h 23 min 57 s
